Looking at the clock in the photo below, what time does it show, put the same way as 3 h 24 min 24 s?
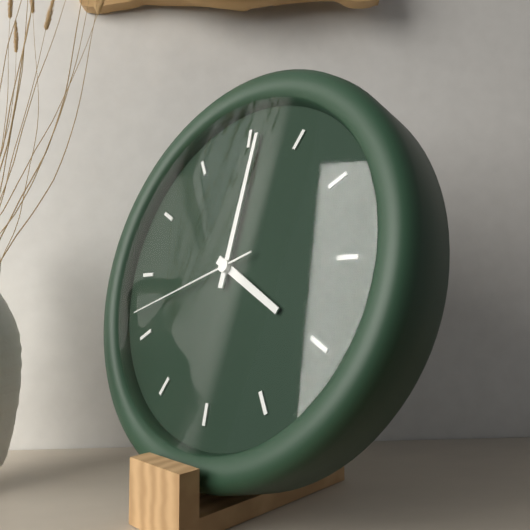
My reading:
4 h 01 min 42 s
